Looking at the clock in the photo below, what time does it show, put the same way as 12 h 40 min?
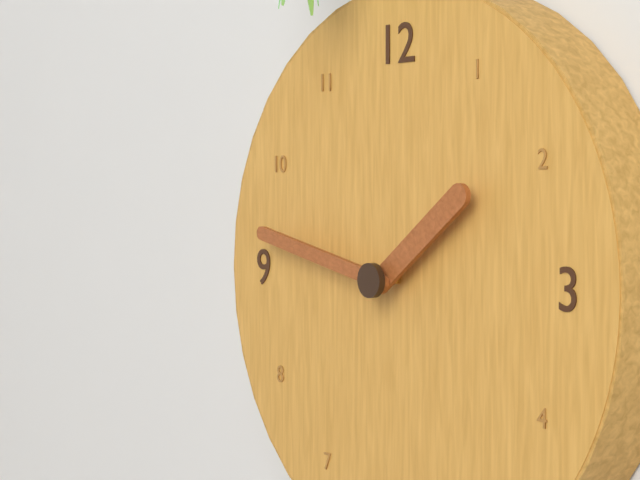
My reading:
1 h 47 min
